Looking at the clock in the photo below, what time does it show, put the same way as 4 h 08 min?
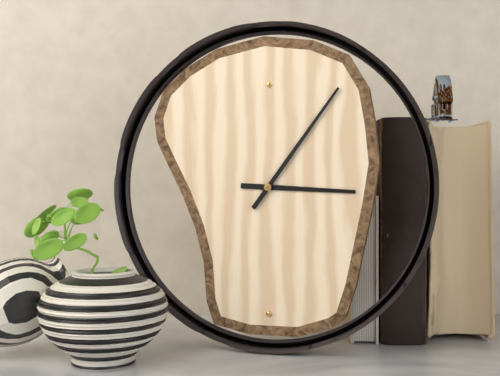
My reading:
3 h 06 min
